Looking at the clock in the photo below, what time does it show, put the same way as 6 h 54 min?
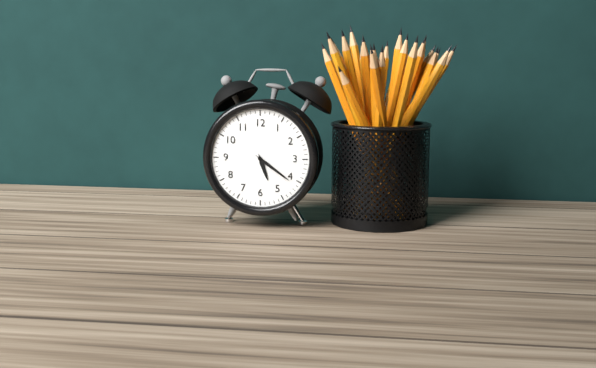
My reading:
5 h 21 min
